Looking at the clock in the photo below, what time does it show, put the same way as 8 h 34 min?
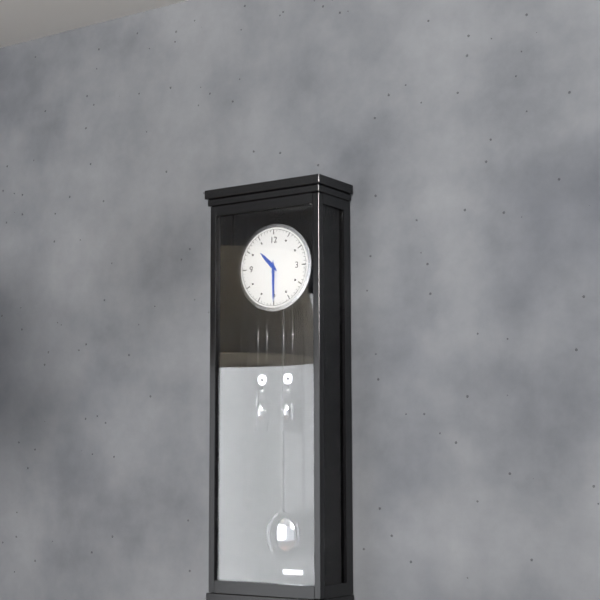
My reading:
10 h 30 min
